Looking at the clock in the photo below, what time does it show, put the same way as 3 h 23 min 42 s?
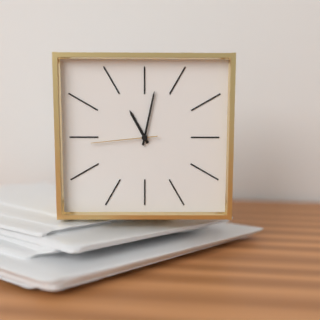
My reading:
11 h 02 min 44 s
